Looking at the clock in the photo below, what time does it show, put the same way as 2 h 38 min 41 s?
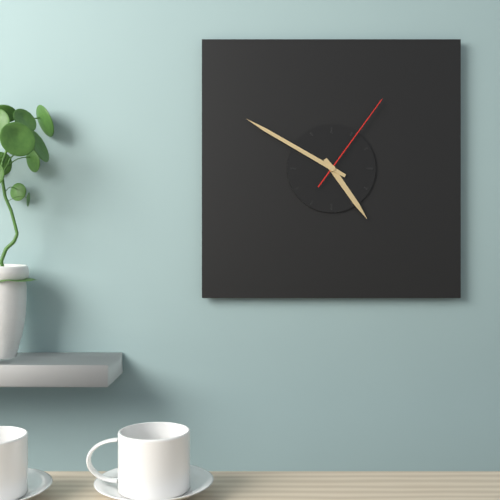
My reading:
4 h 50 min 06 s
